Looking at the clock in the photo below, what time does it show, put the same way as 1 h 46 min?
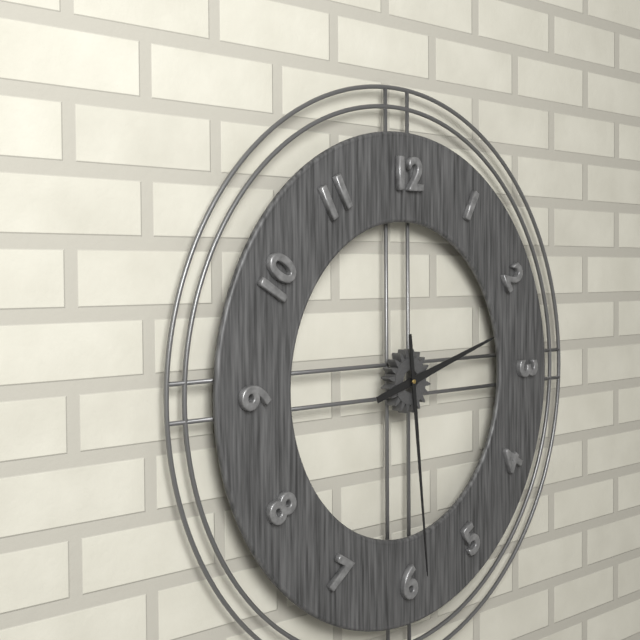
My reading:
2 h 29 min
